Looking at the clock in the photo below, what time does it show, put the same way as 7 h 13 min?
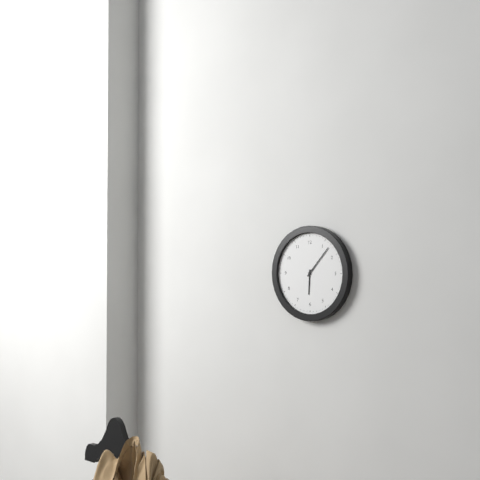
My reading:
6 h 07 min
